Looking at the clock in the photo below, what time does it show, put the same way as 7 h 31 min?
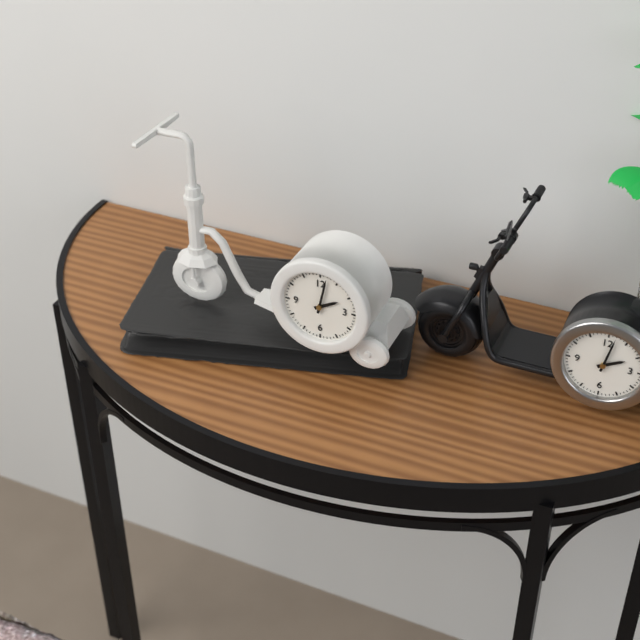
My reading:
2 h 02 min
